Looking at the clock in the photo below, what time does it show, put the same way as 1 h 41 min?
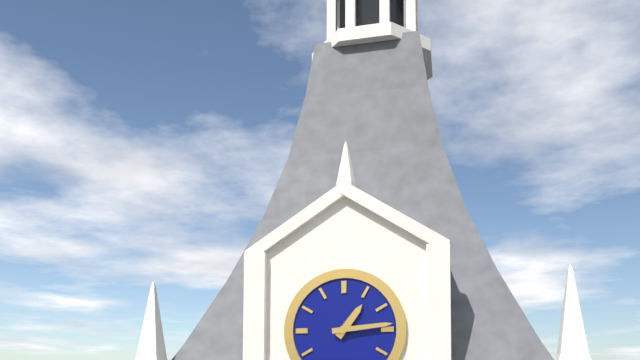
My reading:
1 h 14 min
